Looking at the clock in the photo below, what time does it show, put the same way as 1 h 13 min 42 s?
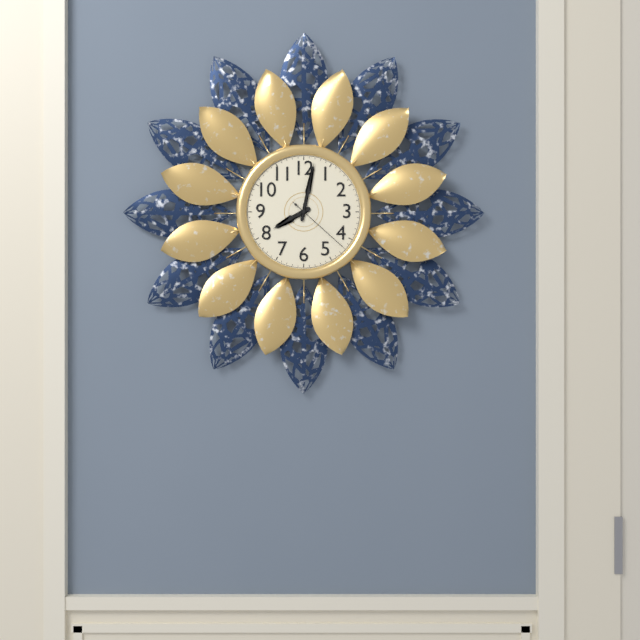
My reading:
8 h 02 min 22 s
